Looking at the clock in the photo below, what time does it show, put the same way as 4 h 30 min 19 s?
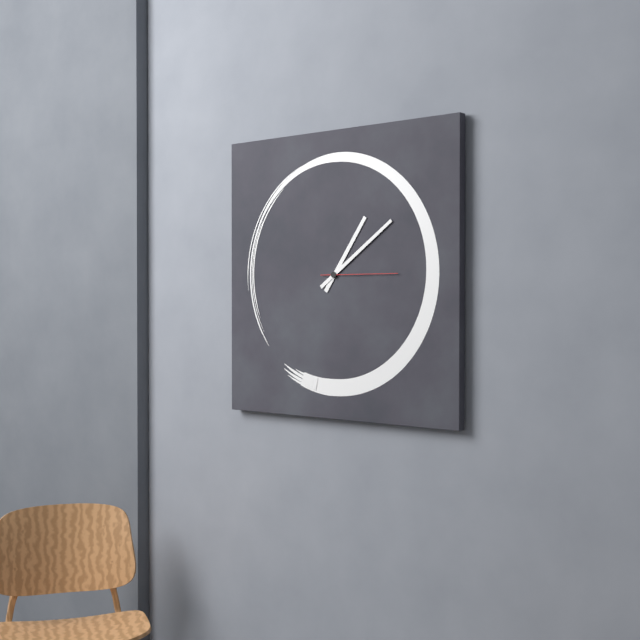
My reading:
1 h 09 min 15 s
